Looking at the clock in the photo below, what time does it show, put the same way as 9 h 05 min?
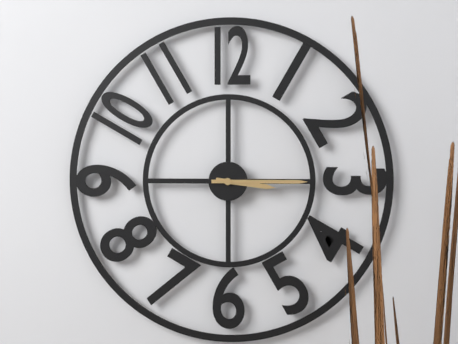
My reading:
3 h 15 min
